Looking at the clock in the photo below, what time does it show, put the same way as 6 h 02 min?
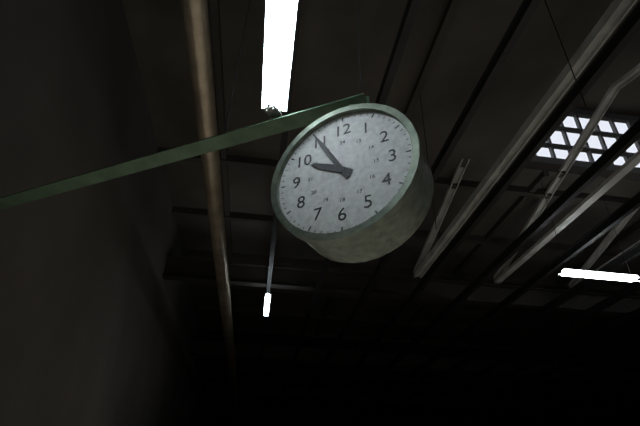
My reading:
9 h 55 min
